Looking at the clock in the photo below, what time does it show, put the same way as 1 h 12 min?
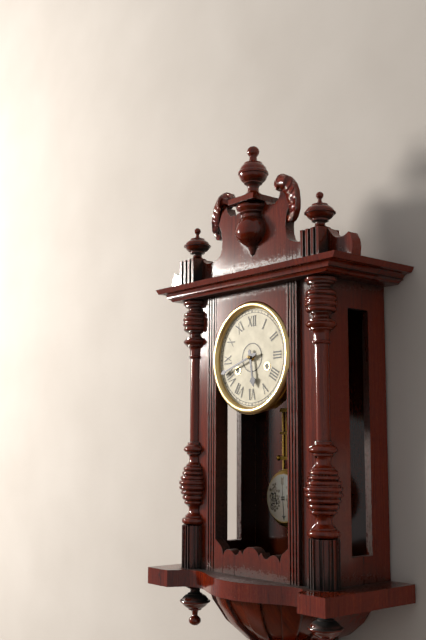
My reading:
5 h 42 min
